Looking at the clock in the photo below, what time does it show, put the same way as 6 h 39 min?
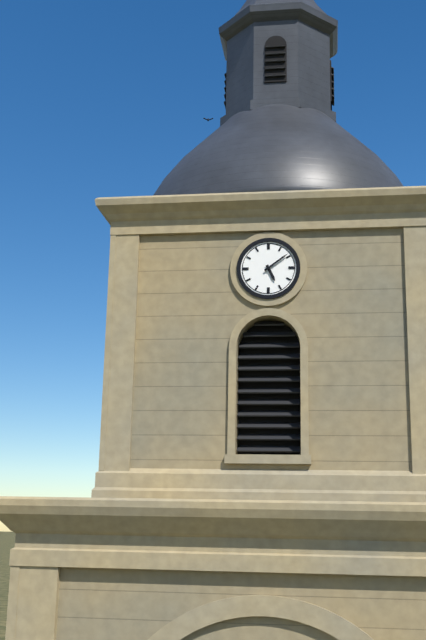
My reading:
5 h 09 min
